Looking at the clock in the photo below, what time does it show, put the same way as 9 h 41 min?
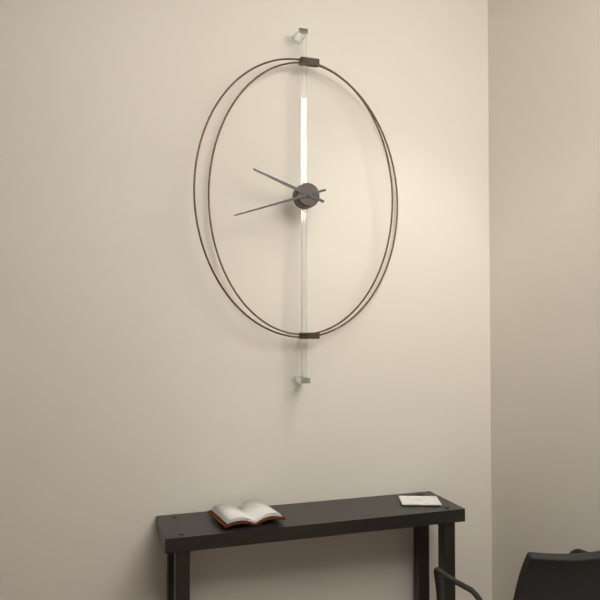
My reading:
9 h 42 min
